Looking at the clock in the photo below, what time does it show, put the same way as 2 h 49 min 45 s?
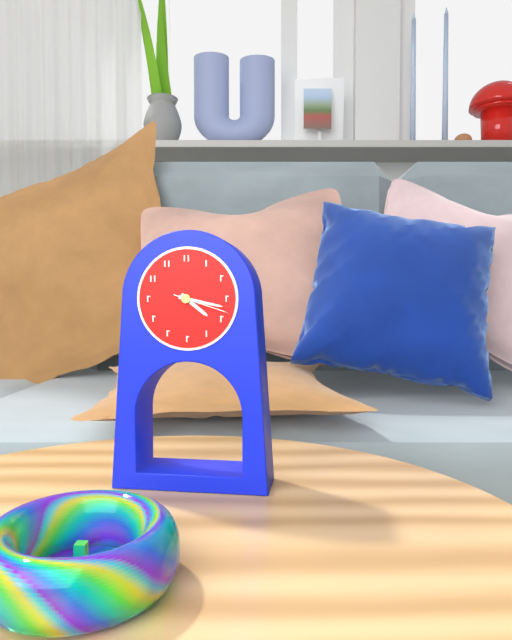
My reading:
4 h 17 min 18 s
